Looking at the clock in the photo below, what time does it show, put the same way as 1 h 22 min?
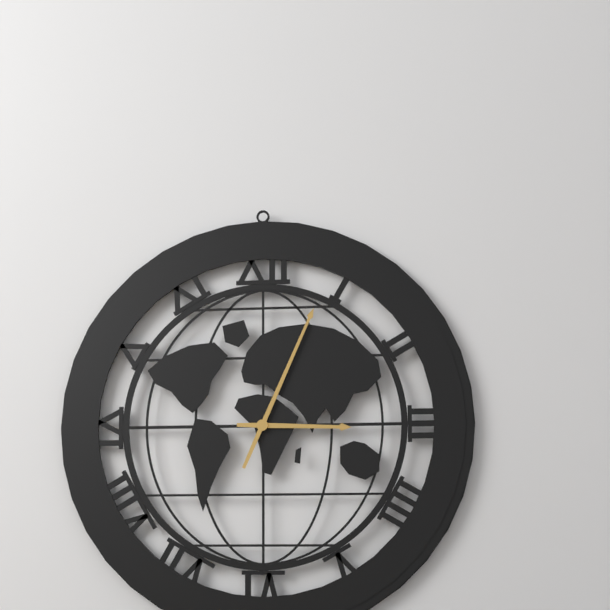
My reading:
3 h 04 min
